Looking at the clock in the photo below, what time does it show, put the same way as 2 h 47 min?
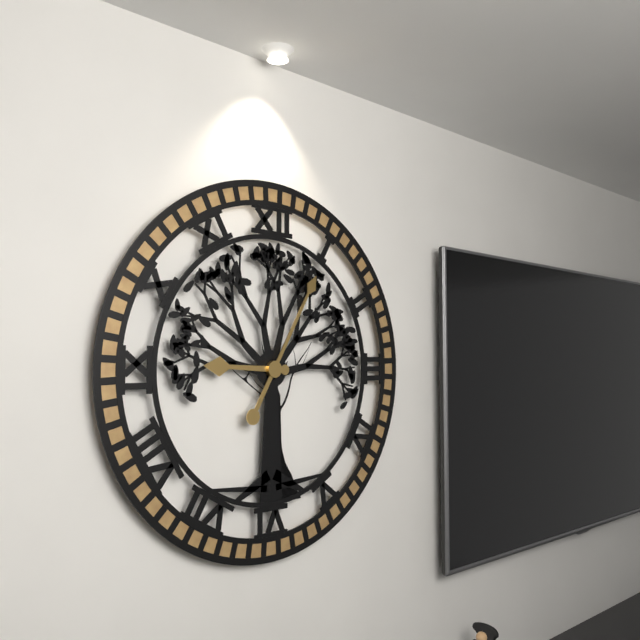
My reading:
9 h 05 min
